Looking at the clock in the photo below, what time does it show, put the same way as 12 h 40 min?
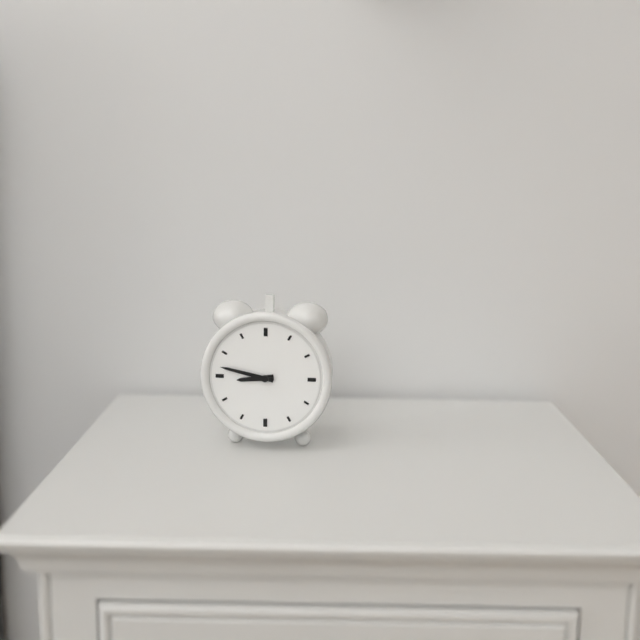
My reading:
8 h 47 min
